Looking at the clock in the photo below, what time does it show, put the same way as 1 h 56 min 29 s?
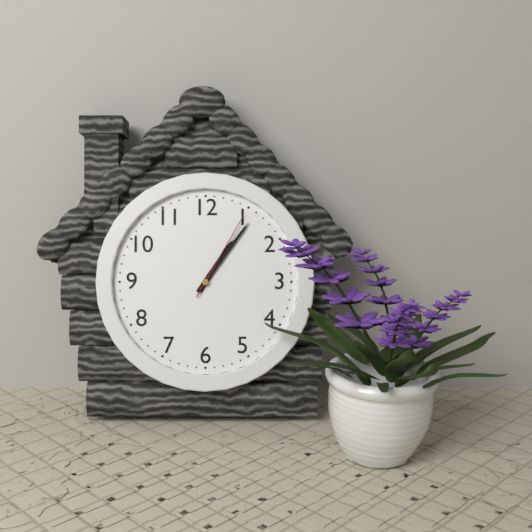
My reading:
1 h 06 min 05 s
